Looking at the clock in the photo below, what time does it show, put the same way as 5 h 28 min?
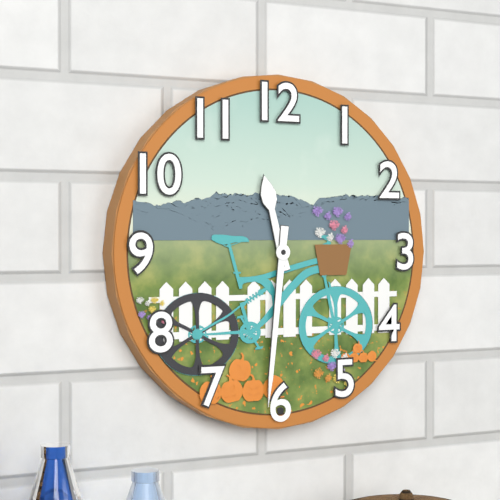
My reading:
11 h 31 min
